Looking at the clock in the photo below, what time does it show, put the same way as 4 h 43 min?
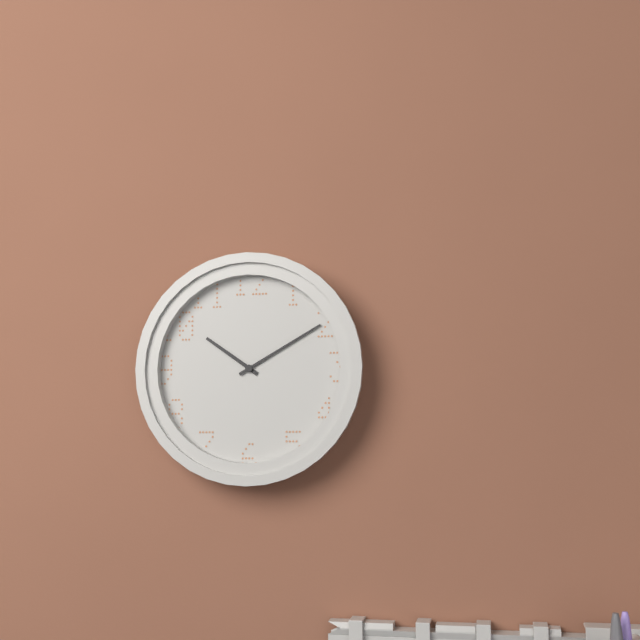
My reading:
10 h 10 min
